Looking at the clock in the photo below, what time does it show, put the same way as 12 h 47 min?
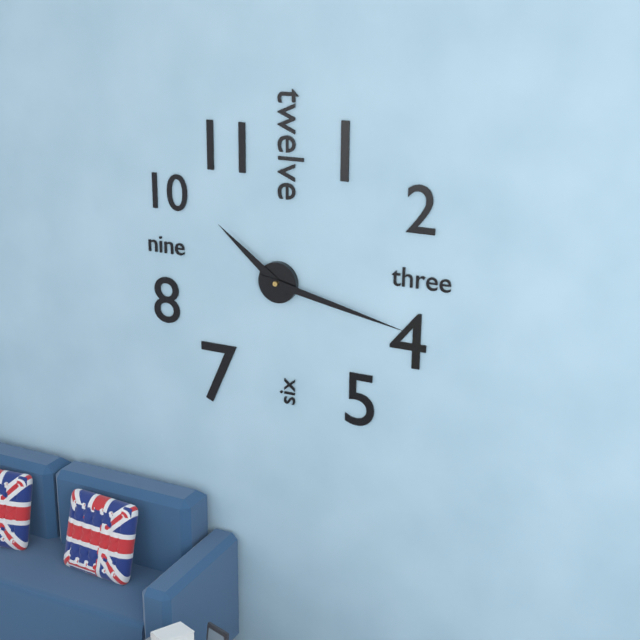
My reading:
10 h 17 min
